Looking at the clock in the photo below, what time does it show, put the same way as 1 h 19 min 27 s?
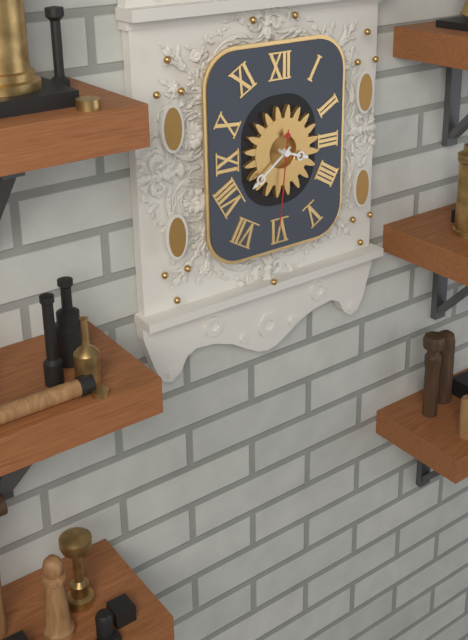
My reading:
3 h 39 min 31 s
